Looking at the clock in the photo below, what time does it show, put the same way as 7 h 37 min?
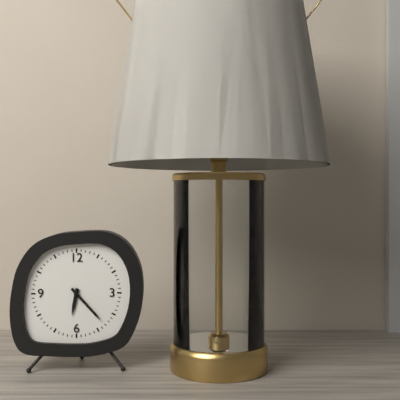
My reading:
6 h 23 min
